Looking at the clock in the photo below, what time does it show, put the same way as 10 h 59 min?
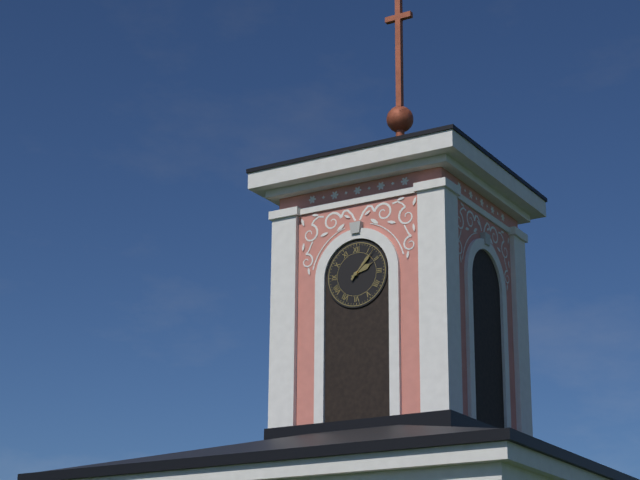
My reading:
2 h 07 min
